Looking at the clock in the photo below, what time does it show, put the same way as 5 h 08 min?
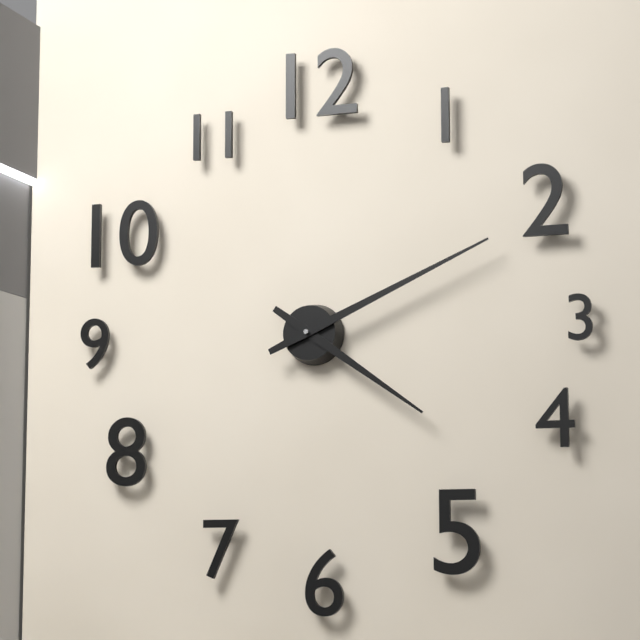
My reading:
4 h 11 min
